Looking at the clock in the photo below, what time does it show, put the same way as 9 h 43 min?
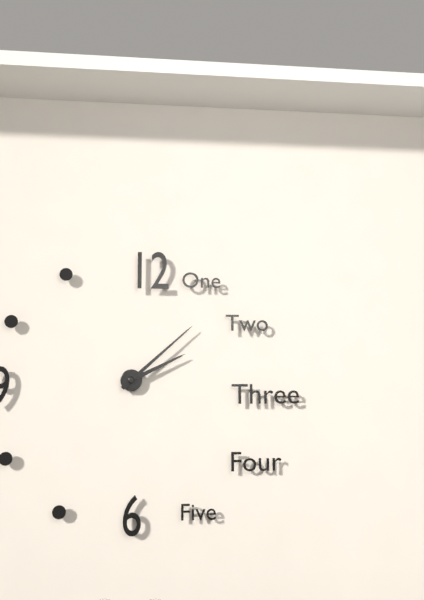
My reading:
2 h 08 min
